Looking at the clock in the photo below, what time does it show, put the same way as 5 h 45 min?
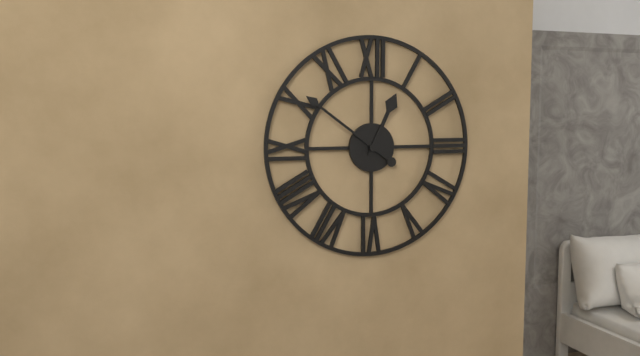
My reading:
12 h 51 min
